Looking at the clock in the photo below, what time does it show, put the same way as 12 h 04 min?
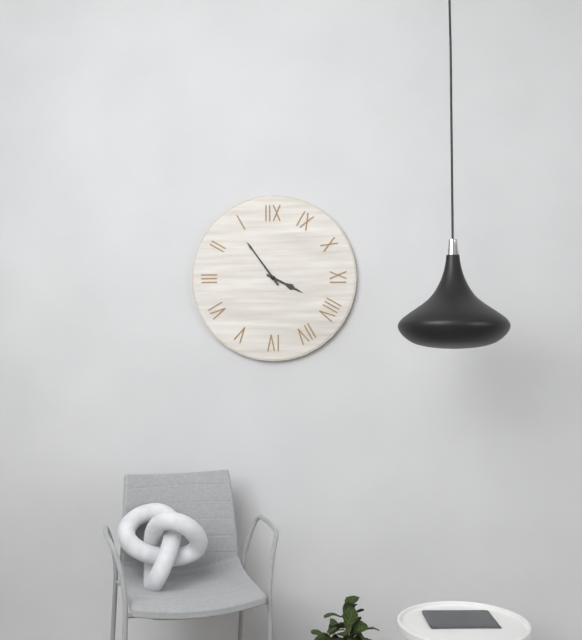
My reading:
3 h 54 min
